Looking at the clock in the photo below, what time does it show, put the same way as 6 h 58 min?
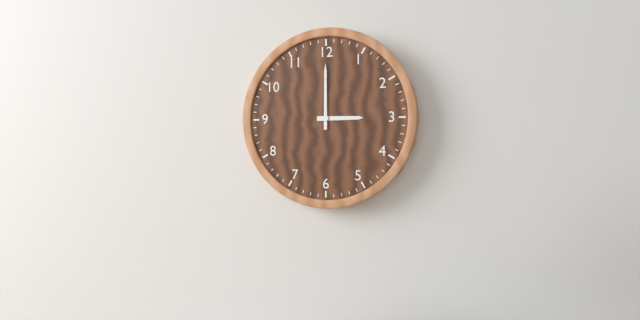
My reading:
3 h 00 min
